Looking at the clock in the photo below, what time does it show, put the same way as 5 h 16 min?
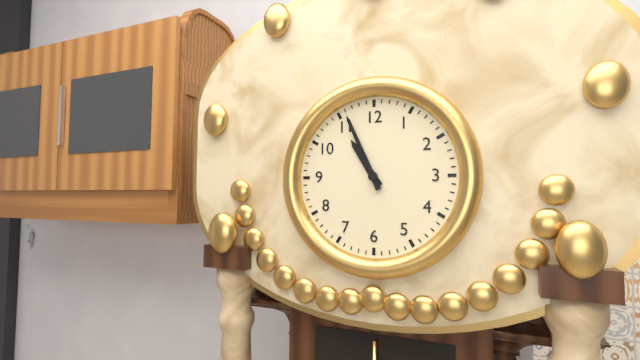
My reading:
10 h 56 min
